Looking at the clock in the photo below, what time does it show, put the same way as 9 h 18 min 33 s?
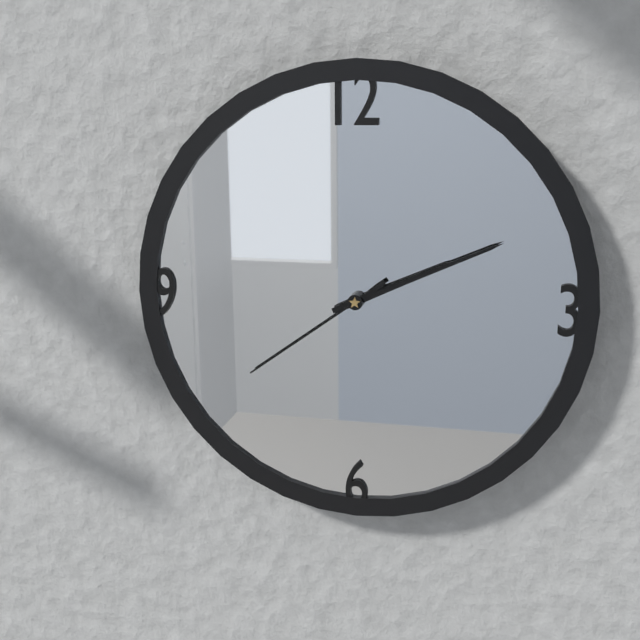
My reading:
2 h 11 min 39 s
